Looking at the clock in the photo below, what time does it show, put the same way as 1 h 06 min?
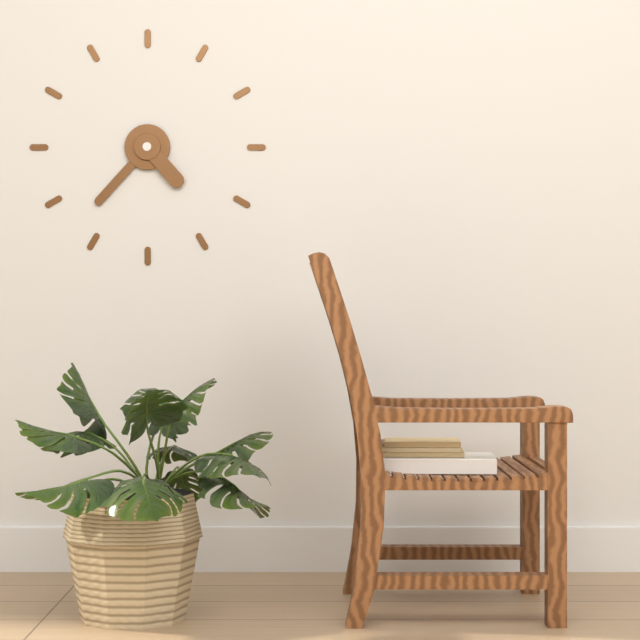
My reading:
4 h 37 min
